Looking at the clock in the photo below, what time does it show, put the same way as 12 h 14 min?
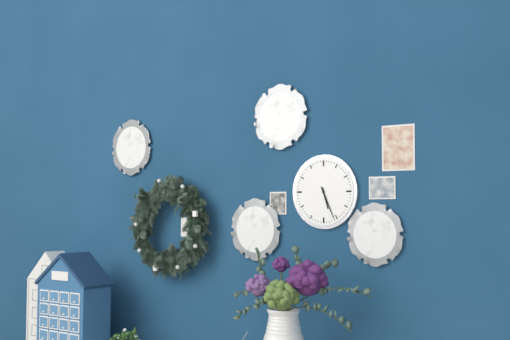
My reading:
5 h 26 min
